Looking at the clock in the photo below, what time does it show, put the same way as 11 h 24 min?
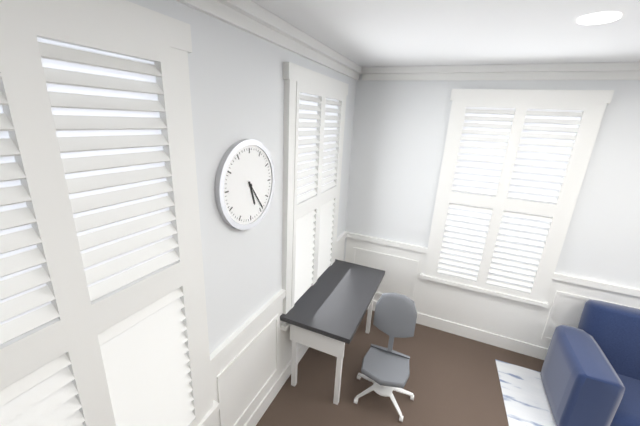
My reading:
5 h 24 min
